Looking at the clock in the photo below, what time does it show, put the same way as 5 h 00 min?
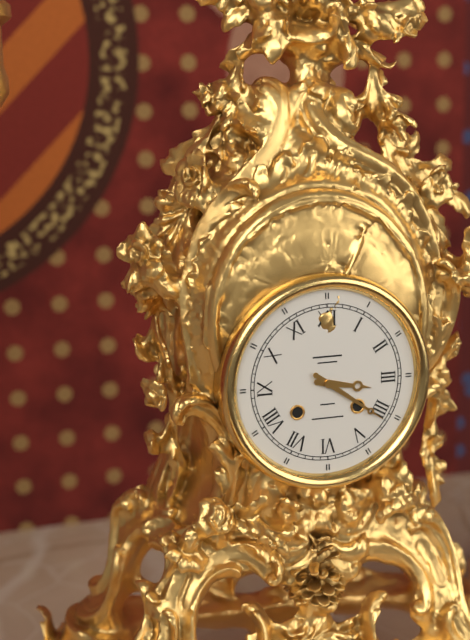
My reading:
3 h 21 min
